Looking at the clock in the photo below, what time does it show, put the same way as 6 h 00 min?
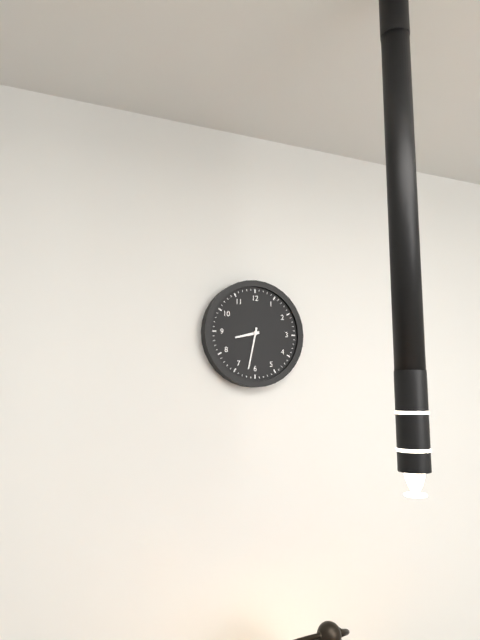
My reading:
8 h 32 min
